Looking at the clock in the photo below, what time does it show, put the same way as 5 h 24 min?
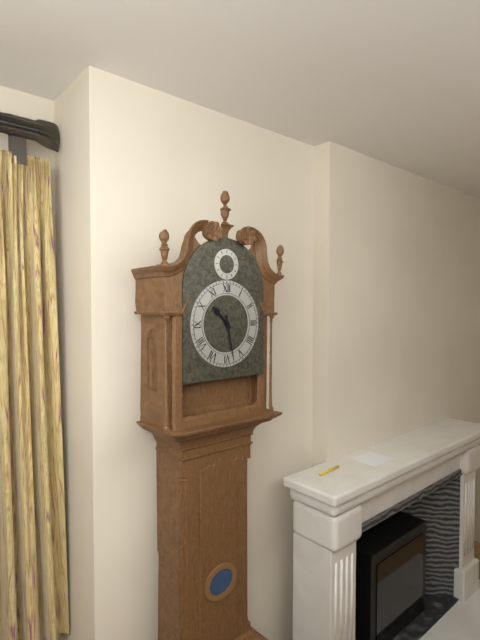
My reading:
10 h 28 min
